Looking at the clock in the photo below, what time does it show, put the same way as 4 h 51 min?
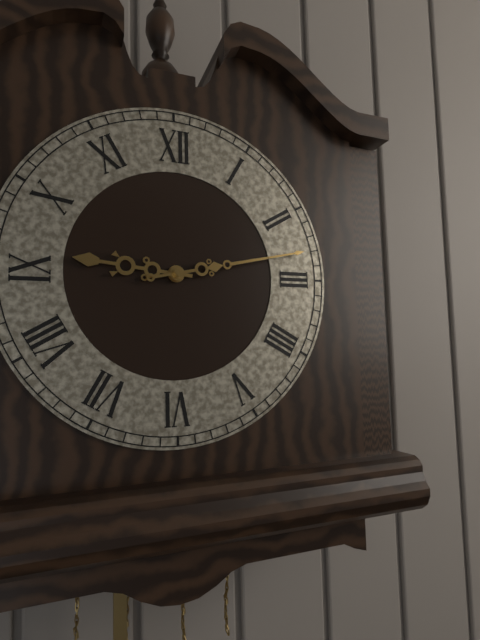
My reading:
9 h 13 min
